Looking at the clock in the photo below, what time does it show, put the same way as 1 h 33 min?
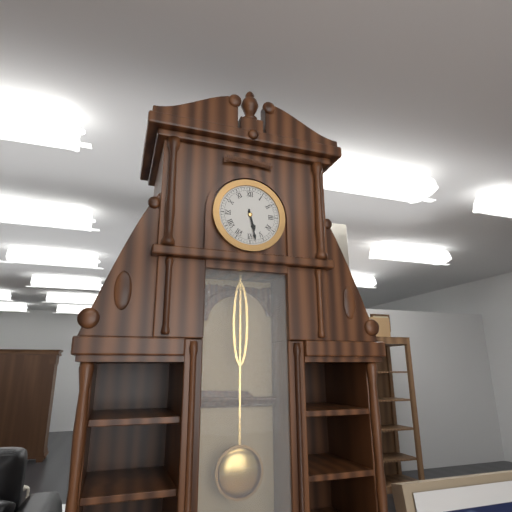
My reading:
5 h 28 min
